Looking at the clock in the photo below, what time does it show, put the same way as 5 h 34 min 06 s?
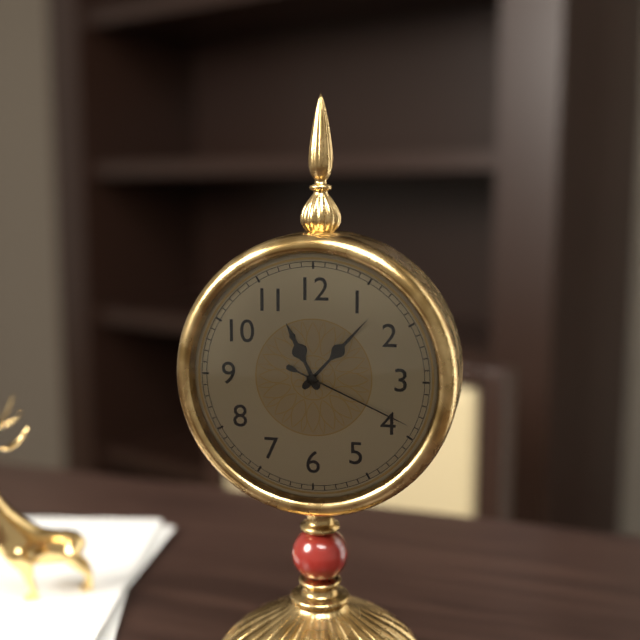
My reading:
11 h 07 min 19 s
